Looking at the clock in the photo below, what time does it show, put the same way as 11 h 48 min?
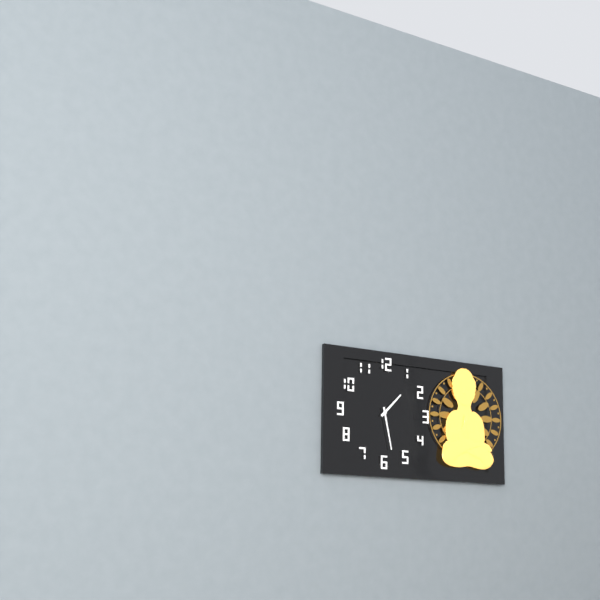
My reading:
1 h 28 min
